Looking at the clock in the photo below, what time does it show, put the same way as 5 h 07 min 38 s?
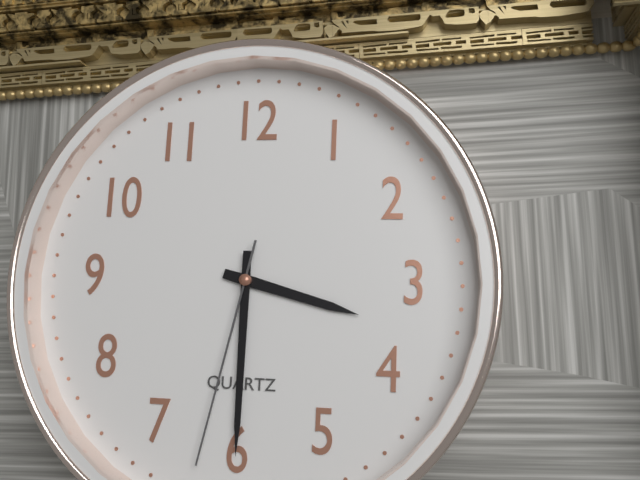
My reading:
3 h 30 min 32 s
